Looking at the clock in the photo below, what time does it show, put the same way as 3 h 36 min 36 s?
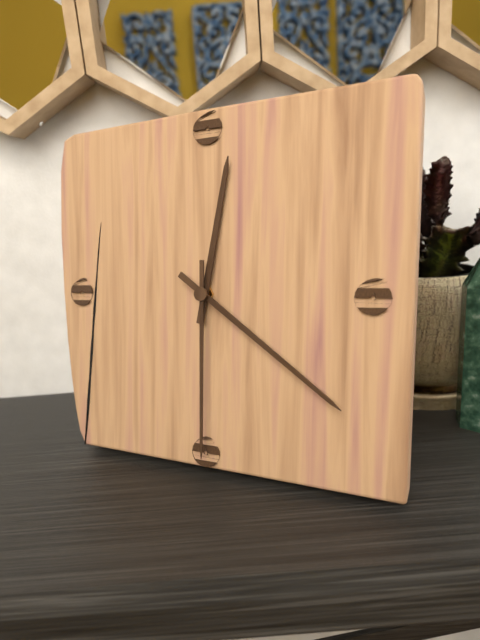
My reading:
12 h 21 min 30 s
